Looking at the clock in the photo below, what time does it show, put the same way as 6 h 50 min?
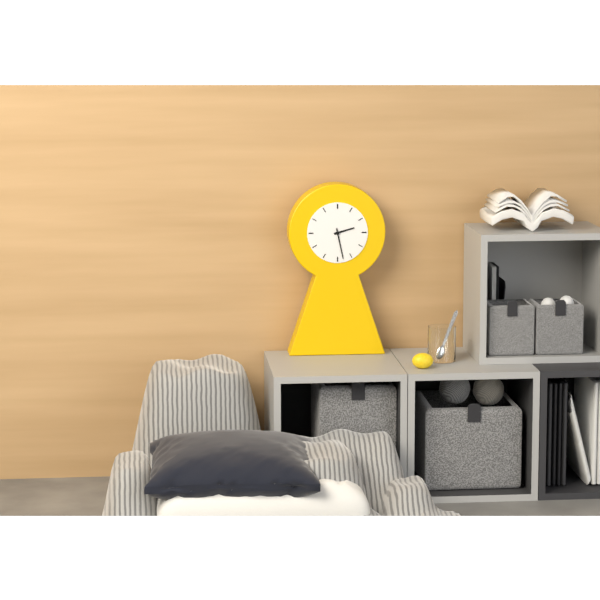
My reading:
2 h 28 min
